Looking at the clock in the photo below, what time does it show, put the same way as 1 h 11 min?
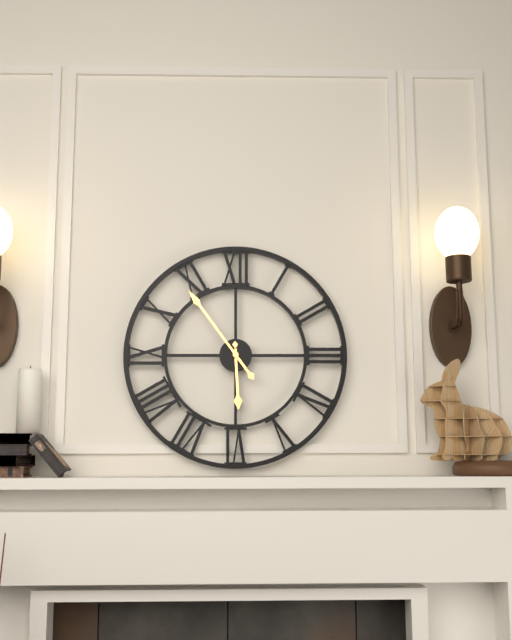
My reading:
5 h 54 min
